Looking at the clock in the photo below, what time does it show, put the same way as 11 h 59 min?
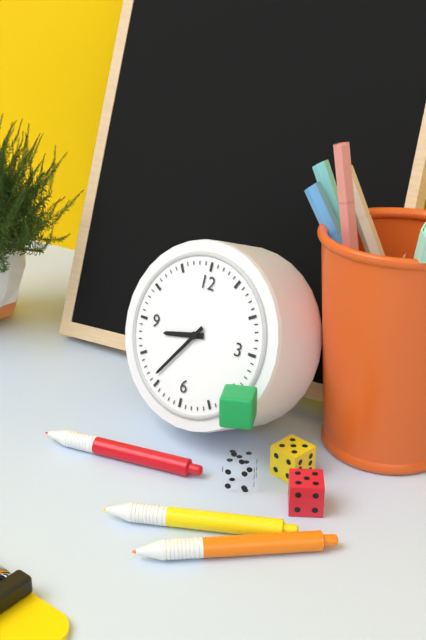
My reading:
8 h 36 min
